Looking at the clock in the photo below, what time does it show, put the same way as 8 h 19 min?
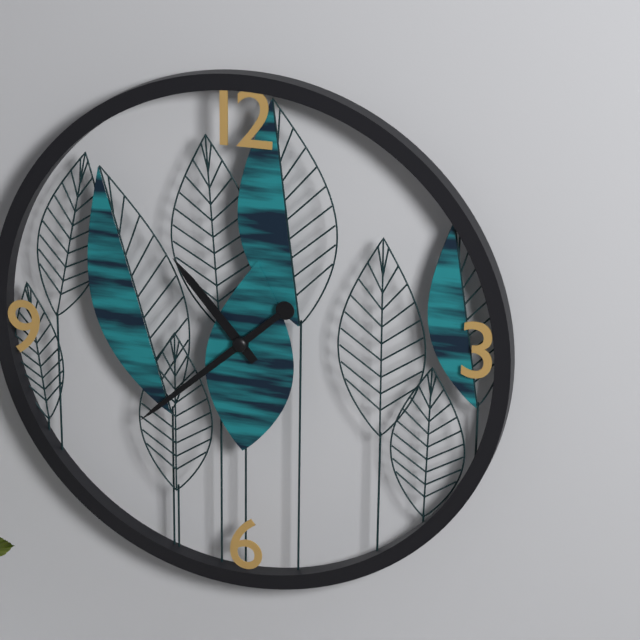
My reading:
10 h 38 min
